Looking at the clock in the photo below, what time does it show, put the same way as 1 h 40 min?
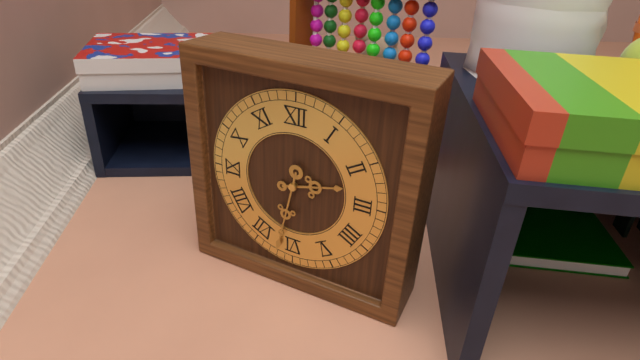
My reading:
2 h 32 min
